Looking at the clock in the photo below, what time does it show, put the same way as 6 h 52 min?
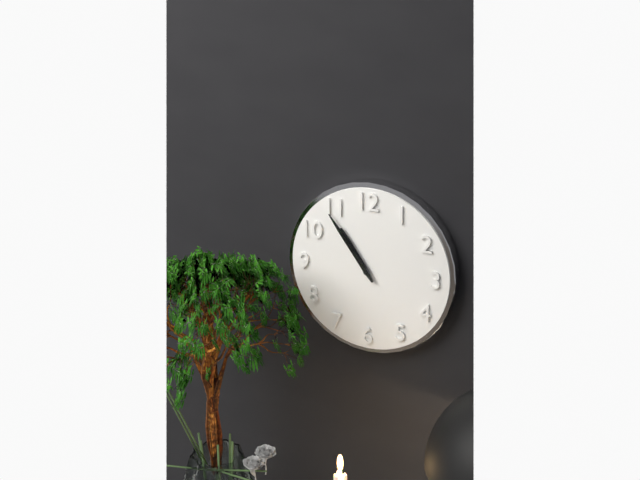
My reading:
10 h 54 min
